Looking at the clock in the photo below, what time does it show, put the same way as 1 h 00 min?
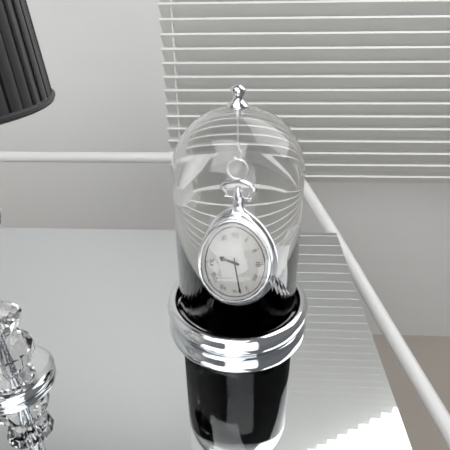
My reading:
9 h 28 min
